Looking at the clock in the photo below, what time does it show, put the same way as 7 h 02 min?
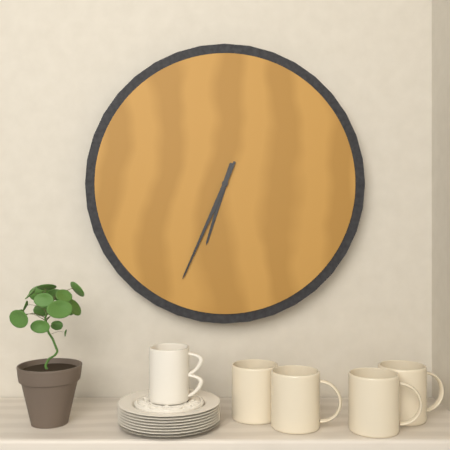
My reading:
6 h 34 min
